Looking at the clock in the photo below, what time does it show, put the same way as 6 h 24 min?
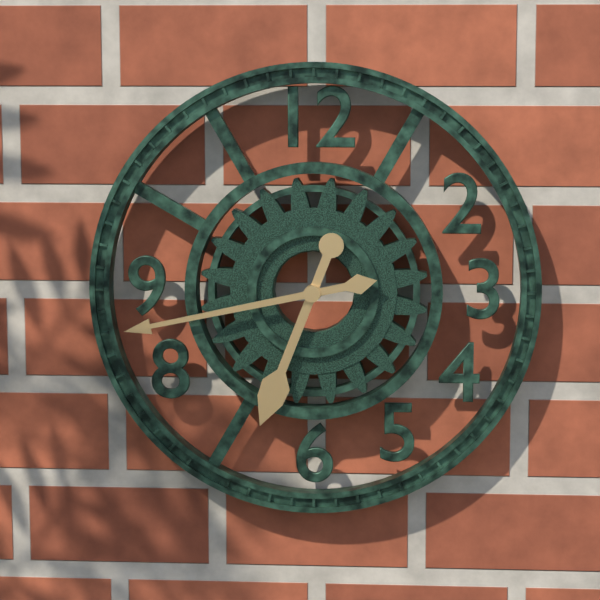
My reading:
6 h 43 min
